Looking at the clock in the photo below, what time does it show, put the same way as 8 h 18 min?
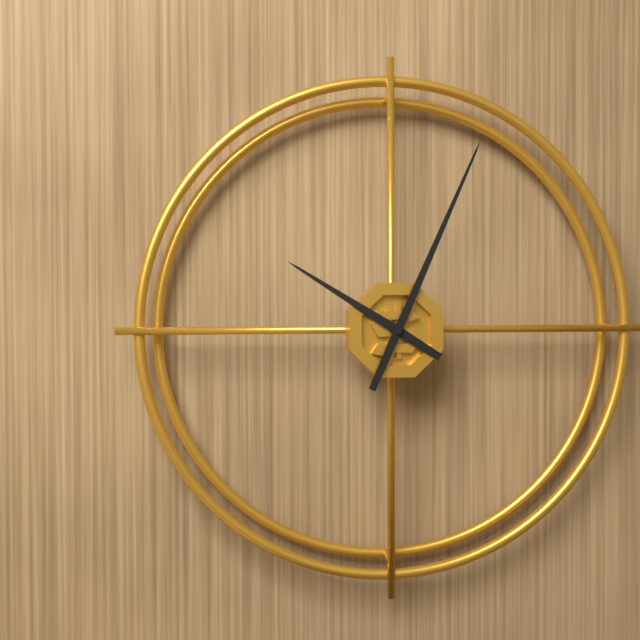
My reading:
10 h 04 min
